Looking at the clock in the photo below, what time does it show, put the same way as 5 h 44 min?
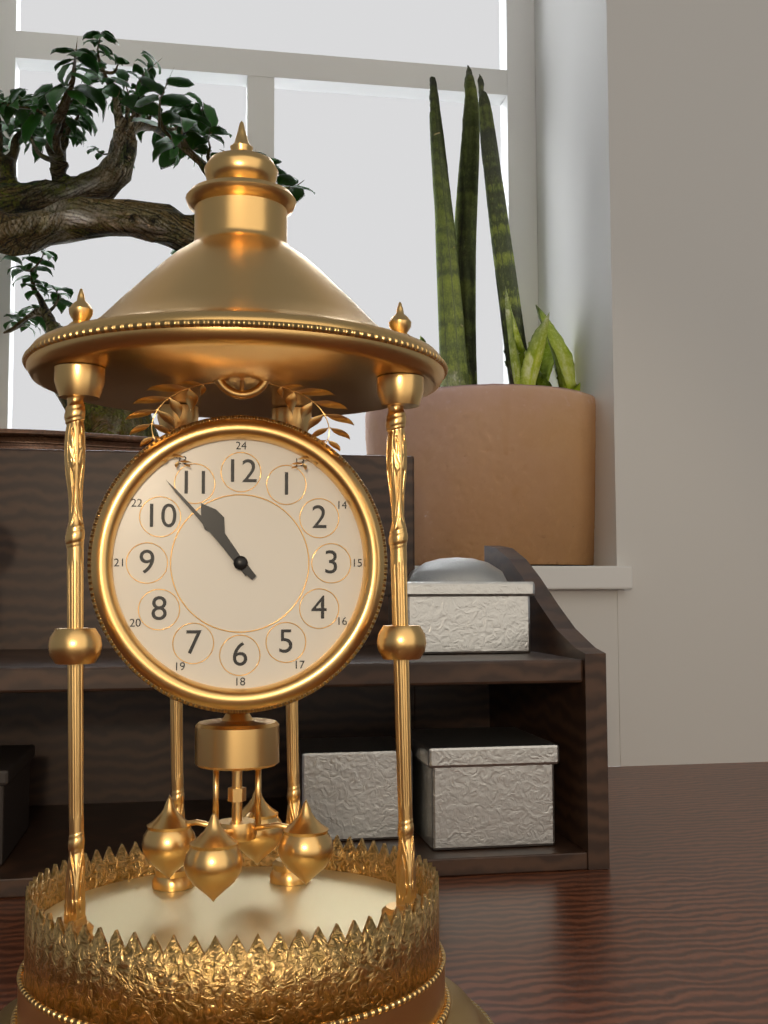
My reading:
10 h 53 min
